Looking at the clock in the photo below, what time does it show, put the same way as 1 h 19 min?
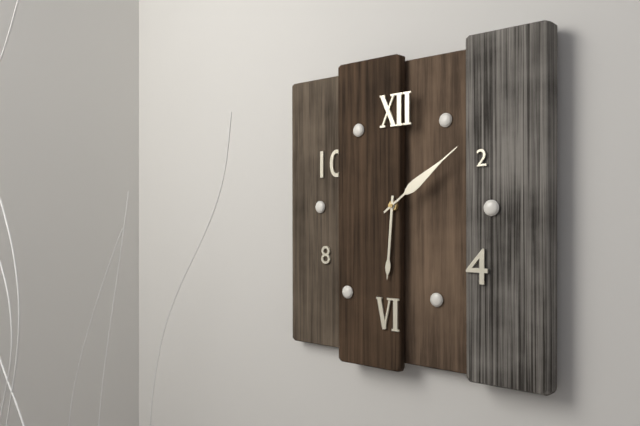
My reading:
6 h 09 min
